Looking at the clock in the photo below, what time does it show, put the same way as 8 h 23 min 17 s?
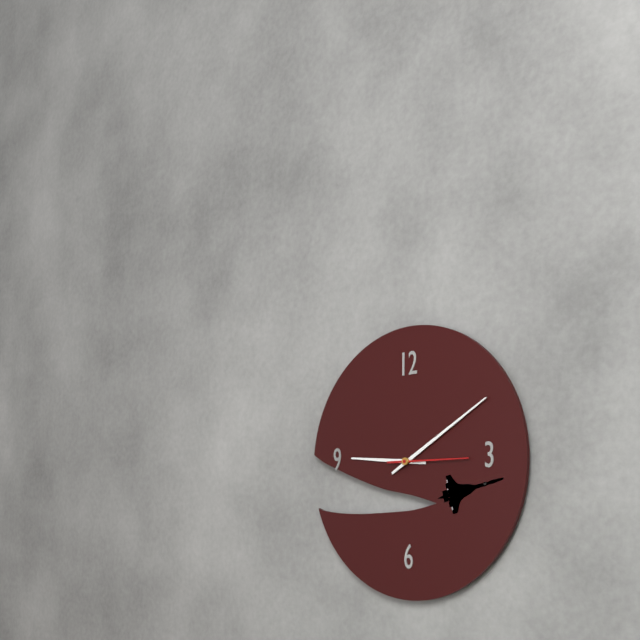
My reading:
9 h 10 min 15 s
